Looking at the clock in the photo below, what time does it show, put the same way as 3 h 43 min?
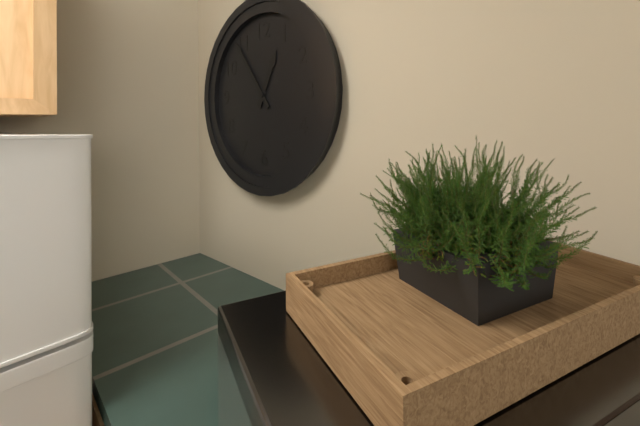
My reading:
12 h 54 min
